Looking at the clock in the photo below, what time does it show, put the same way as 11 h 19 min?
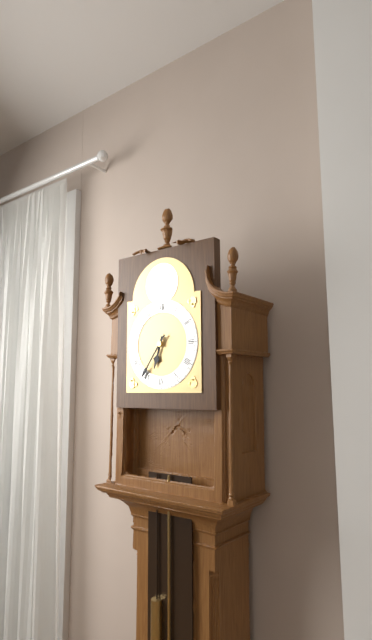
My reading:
6 h 36 min
